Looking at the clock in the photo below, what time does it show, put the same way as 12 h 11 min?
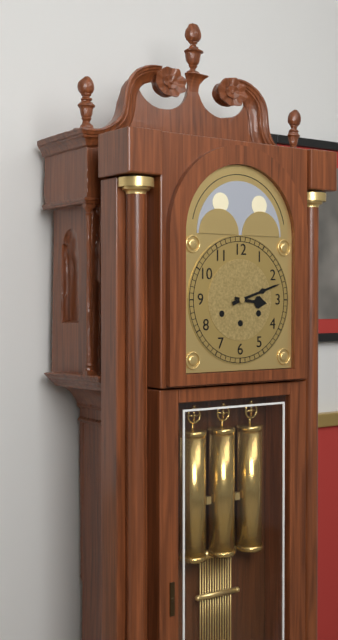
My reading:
3 h 12 min
